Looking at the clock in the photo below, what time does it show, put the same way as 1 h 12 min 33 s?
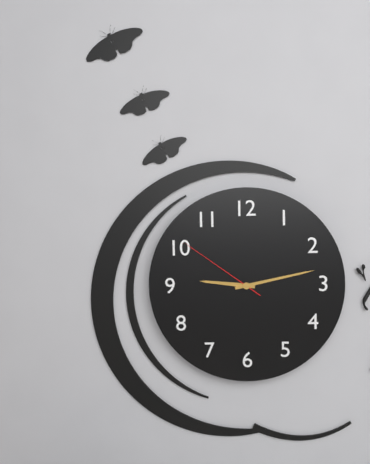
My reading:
9 h 13 min 51 s
